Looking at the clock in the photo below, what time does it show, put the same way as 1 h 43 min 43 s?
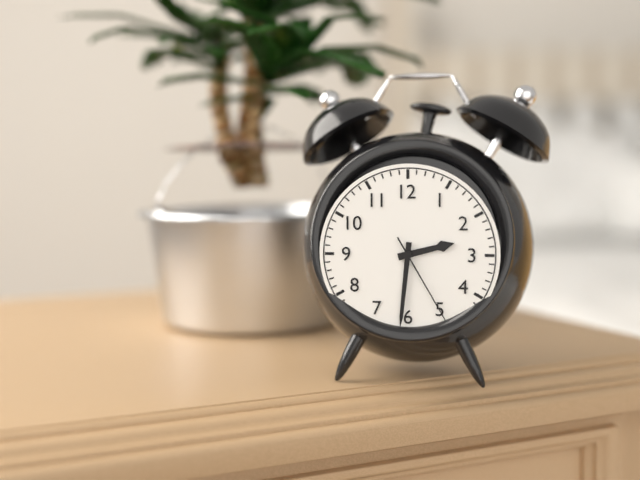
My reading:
2 h 31 min 25 s
